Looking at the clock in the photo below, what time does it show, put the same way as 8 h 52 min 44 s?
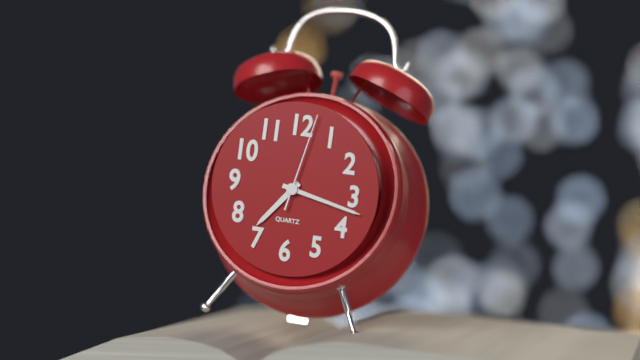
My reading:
7 h 17 min 02 s
